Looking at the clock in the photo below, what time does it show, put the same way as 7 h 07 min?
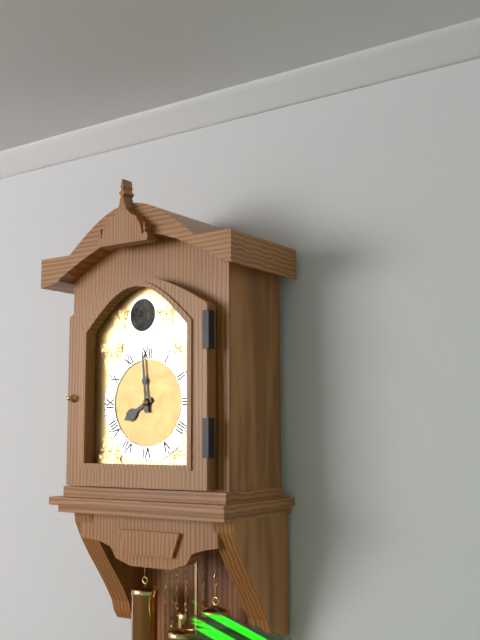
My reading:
7 h 59 min
